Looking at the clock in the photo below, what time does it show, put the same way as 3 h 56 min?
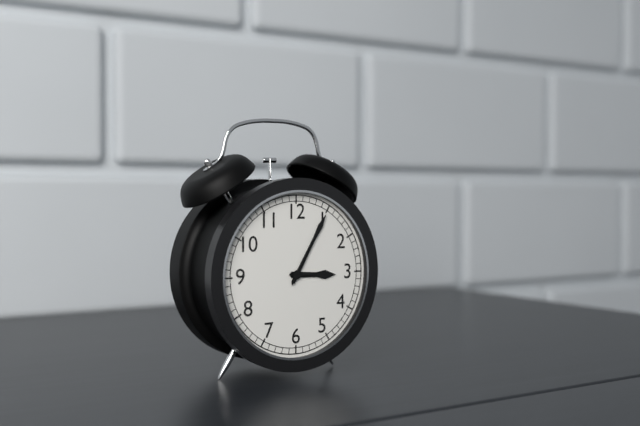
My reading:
3 h 05 min
